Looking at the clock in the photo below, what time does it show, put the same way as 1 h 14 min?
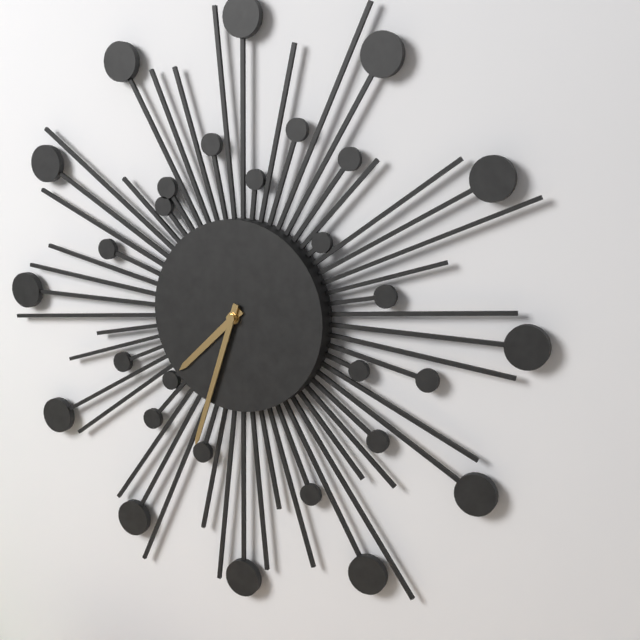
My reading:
7 h 33 min
